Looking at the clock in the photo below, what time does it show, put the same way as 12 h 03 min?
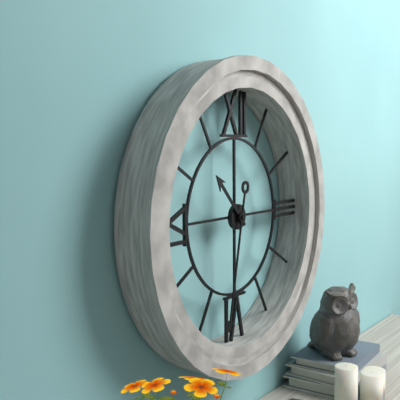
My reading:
10 h 32 min
